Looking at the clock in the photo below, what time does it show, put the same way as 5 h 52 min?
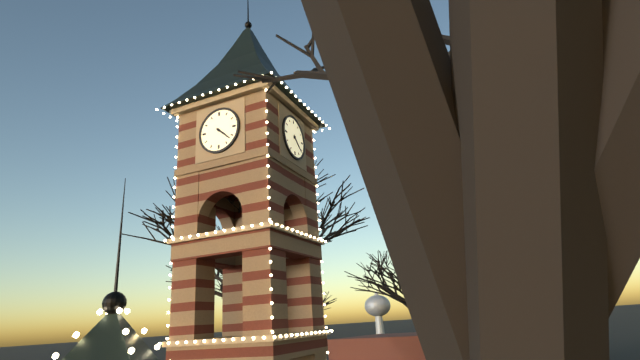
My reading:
4 h 22 min
